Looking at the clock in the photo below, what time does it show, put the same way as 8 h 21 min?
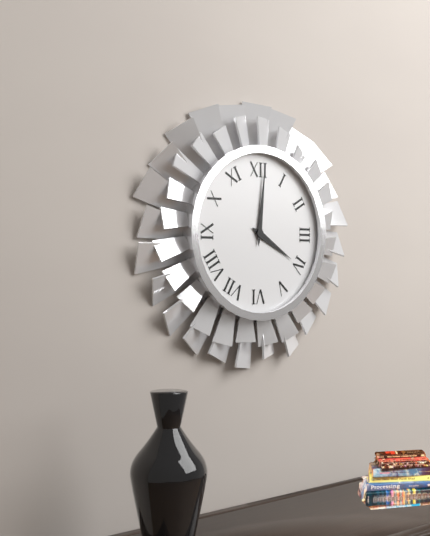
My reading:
4 h 01 min
